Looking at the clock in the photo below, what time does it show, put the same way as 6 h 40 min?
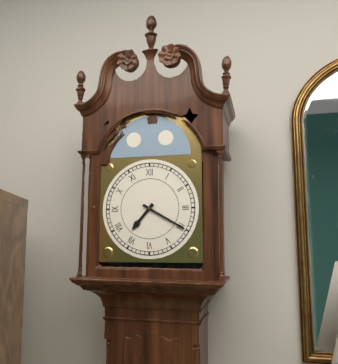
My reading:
7 h 20 min
